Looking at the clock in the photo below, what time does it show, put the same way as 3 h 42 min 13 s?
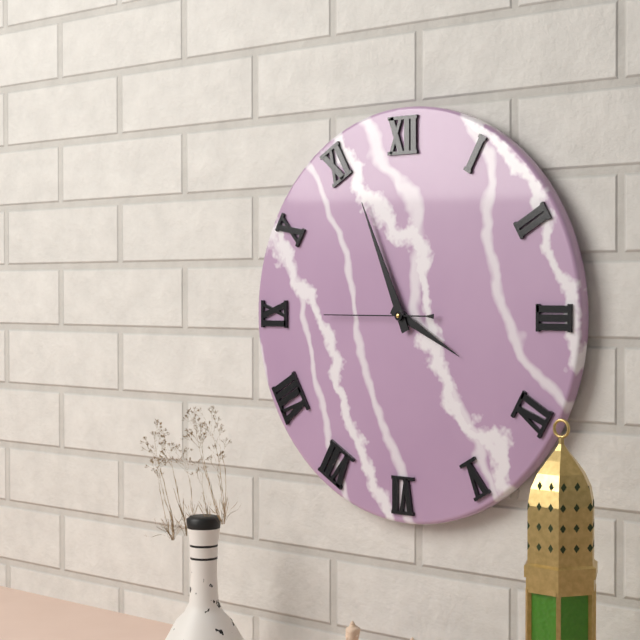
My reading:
3 h 56 min 45 s
